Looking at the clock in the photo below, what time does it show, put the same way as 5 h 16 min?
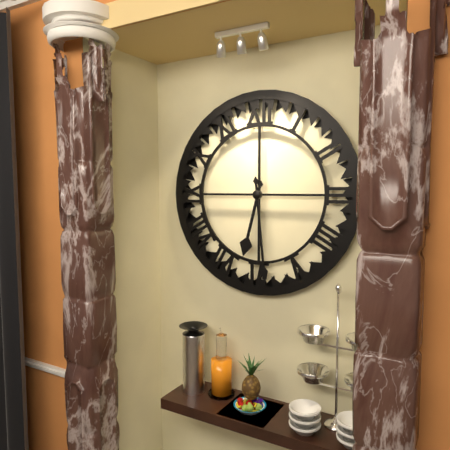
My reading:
6 h 29 min
